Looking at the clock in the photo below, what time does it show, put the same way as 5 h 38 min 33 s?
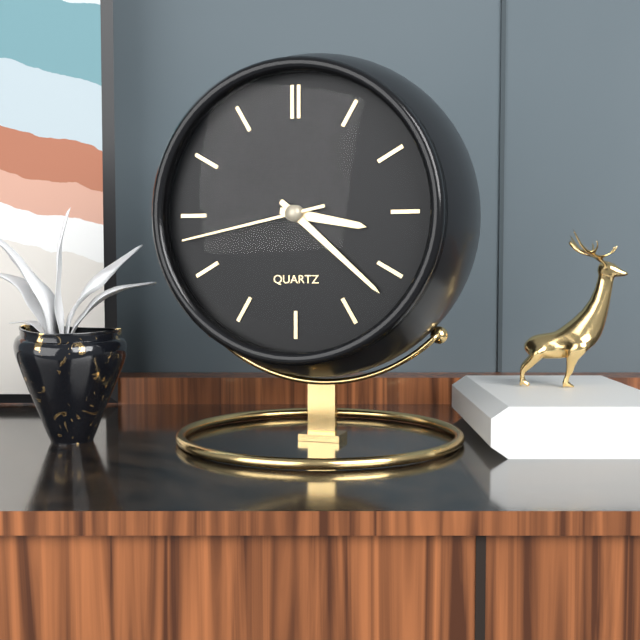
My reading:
3 h 22 min 43 s
